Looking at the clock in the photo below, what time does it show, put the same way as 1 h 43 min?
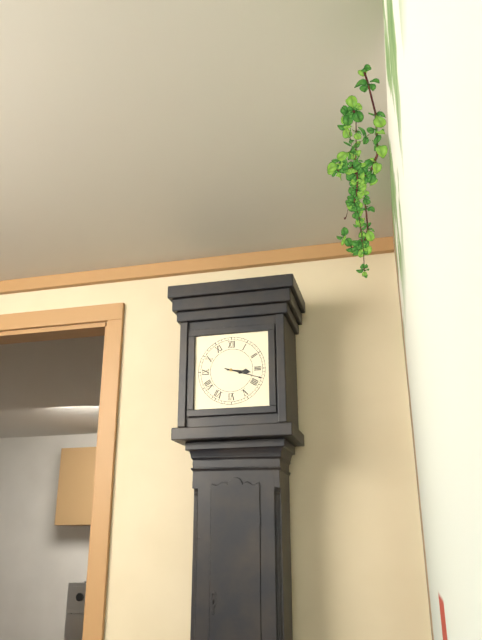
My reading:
3 h 18 min
